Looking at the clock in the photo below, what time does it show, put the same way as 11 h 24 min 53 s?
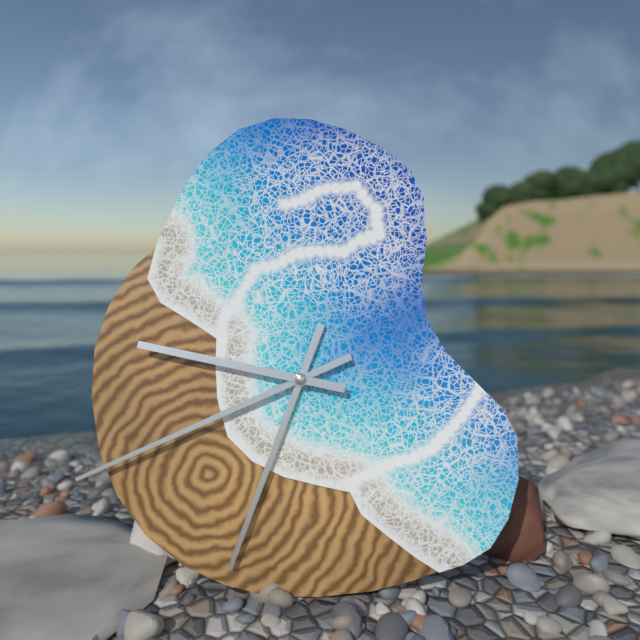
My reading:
6 h 41 min 47 s
